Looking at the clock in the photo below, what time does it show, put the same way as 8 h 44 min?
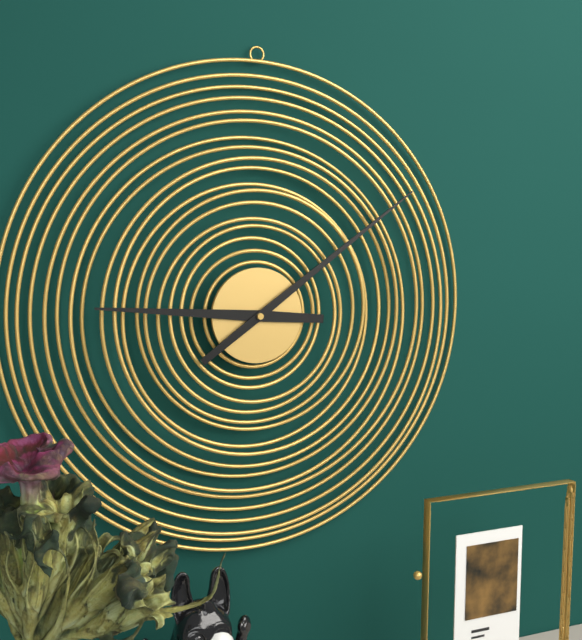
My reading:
9 h 09 min
